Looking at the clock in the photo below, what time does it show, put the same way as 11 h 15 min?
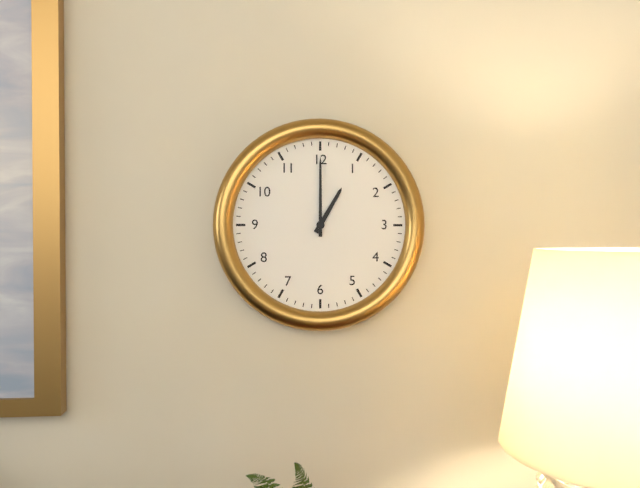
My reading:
1 h 00 min
